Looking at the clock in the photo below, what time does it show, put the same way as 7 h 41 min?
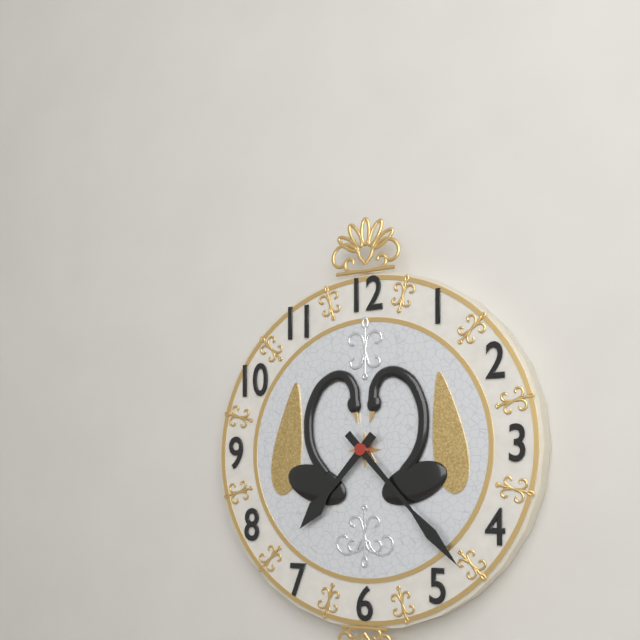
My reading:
7 h 23 min
